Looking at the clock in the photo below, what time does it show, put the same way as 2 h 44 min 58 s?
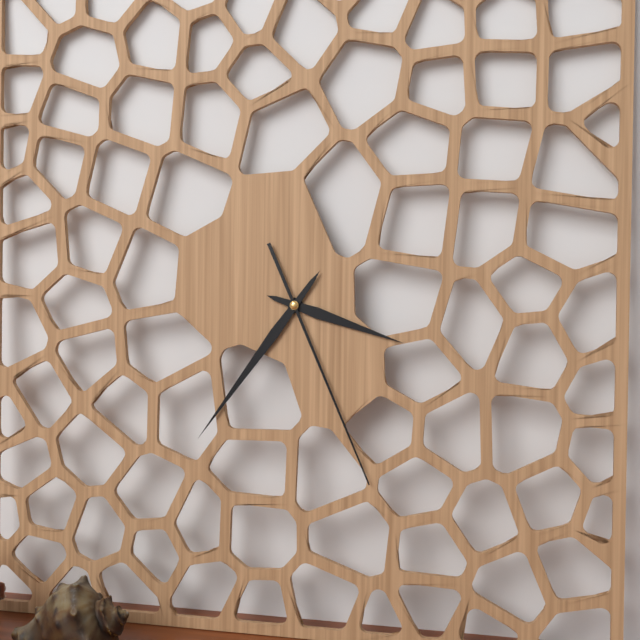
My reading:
3 h 36 min 26 s
